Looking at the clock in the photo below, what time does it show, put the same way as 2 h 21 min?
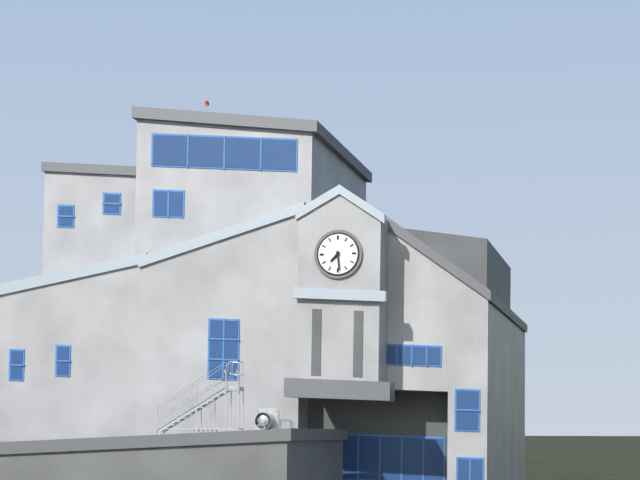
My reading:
7 h 29 min
